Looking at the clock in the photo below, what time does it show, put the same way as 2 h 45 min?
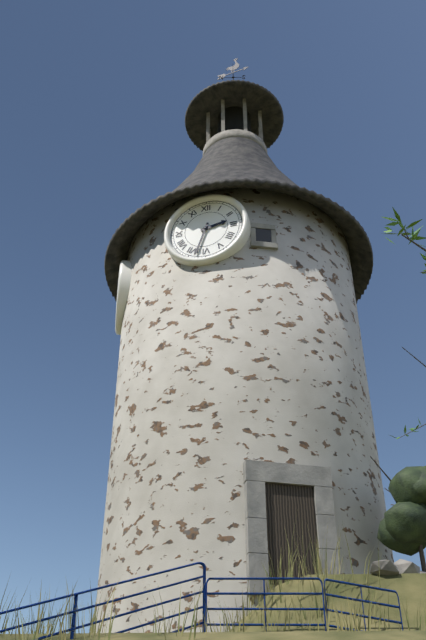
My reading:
2 h 33 min
